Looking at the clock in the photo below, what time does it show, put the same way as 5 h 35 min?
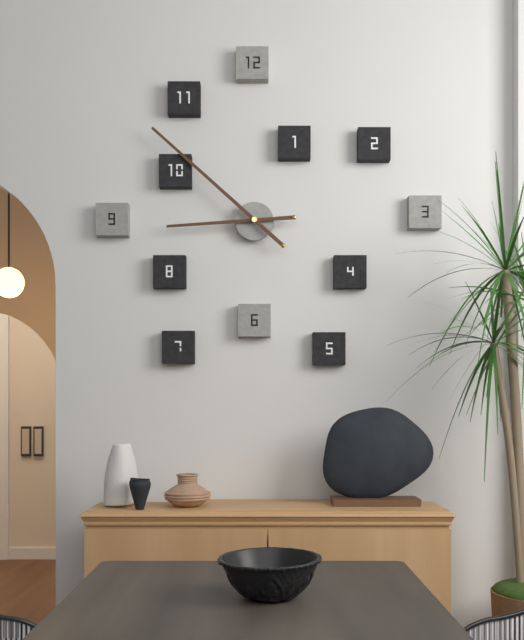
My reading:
8 h 52 min
